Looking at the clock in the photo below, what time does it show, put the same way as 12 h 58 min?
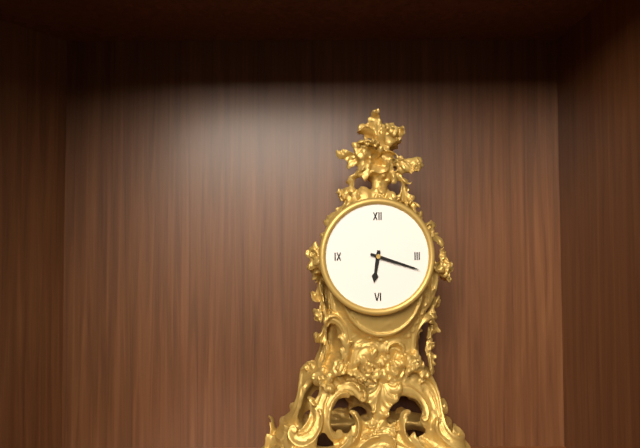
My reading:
6 h 18 min
